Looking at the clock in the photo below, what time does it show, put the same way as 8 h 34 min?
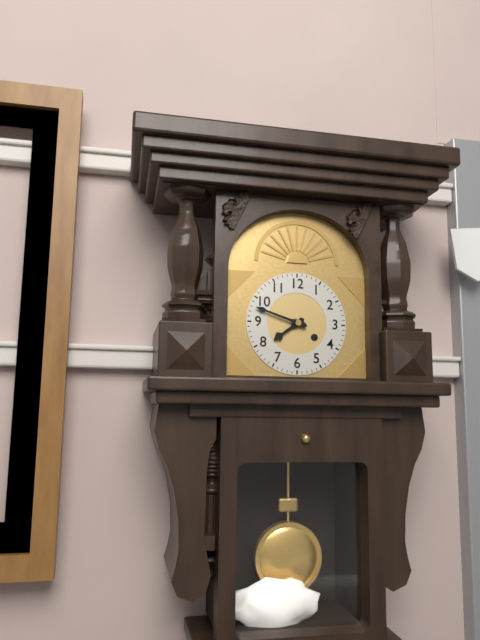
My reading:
7 h 48 min
